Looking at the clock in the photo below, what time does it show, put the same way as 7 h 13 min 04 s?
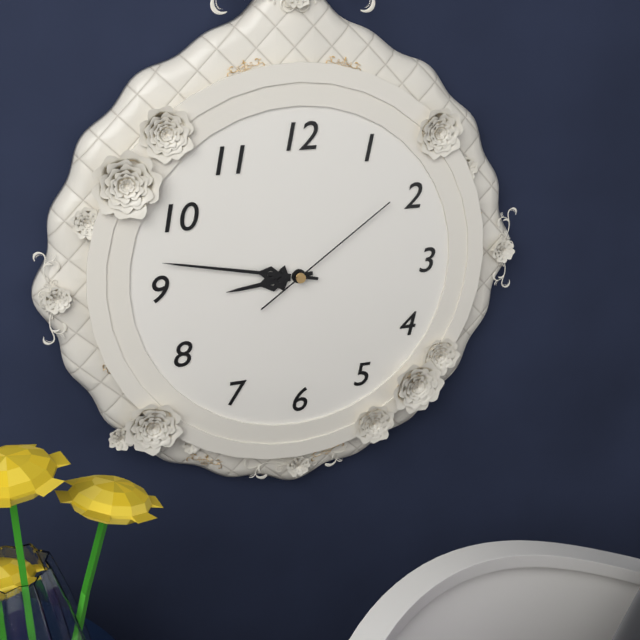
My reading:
8 h 47 min 09 s
